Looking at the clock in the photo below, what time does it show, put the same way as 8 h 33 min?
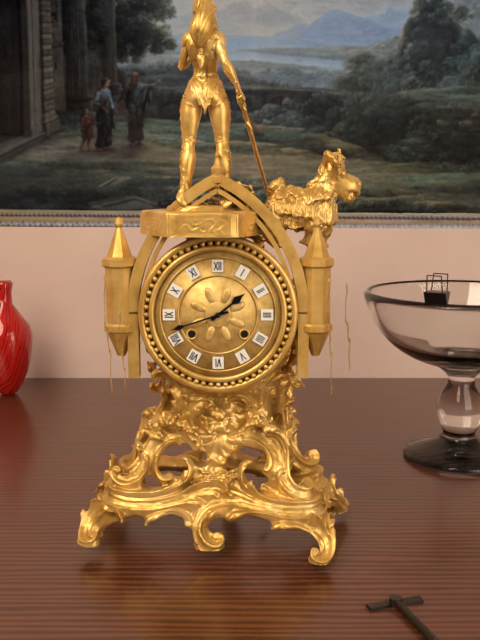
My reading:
1 h 42 min
